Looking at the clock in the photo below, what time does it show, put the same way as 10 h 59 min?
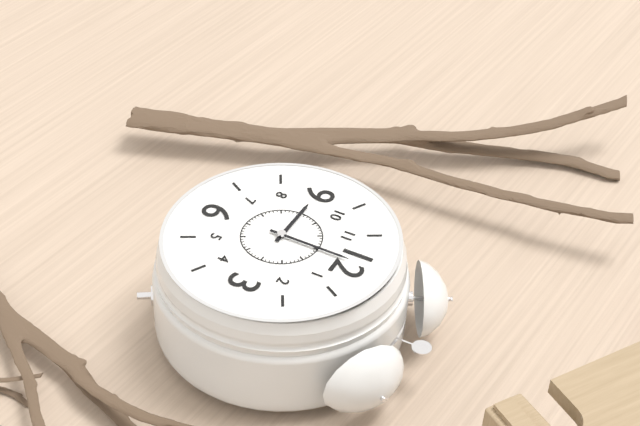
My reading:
9 h 00 min
